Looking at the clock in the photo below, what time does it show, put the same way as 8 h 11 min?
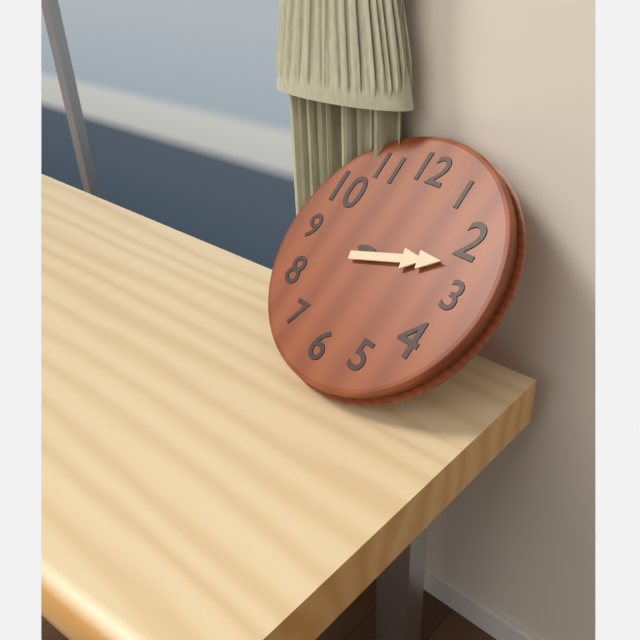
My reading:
9 h 12 min
